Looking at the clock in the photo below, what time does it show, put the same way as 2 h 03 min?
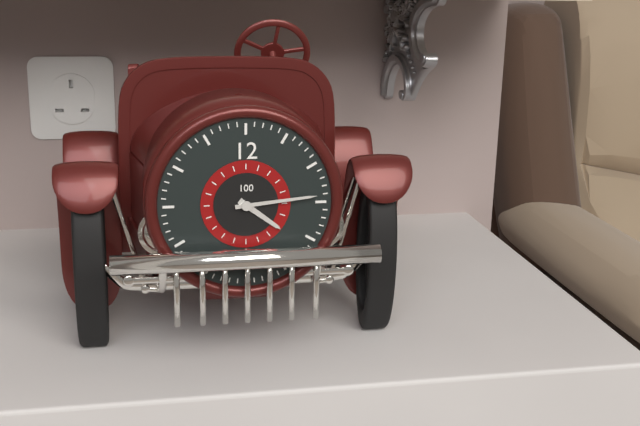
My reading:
4 h 14 min
